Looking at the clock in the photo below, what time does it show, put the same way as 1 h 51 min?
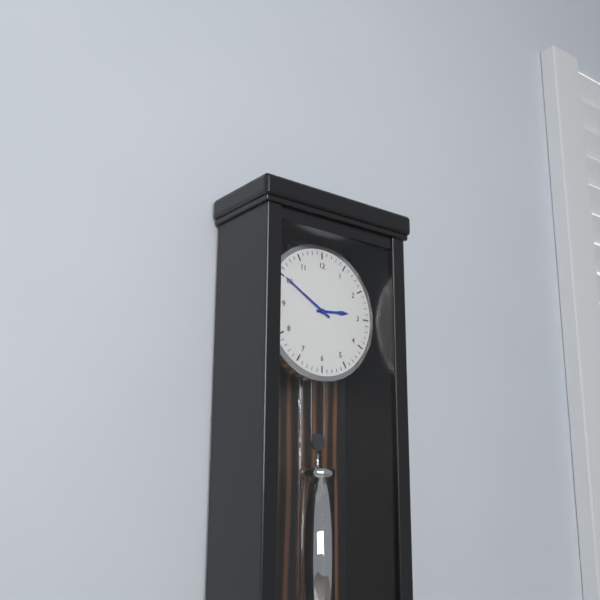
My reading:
2 h 50 min
